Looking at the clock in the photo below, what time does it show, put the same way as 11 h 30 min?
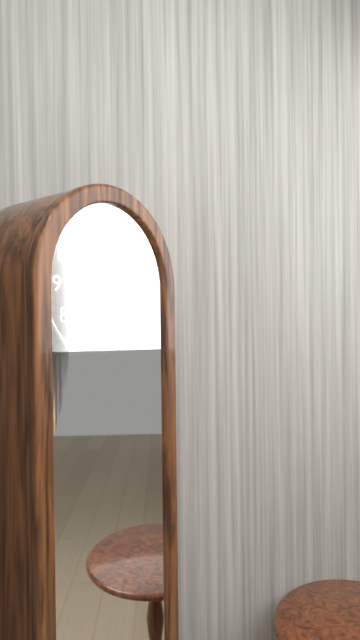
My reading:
7 h 38 min
